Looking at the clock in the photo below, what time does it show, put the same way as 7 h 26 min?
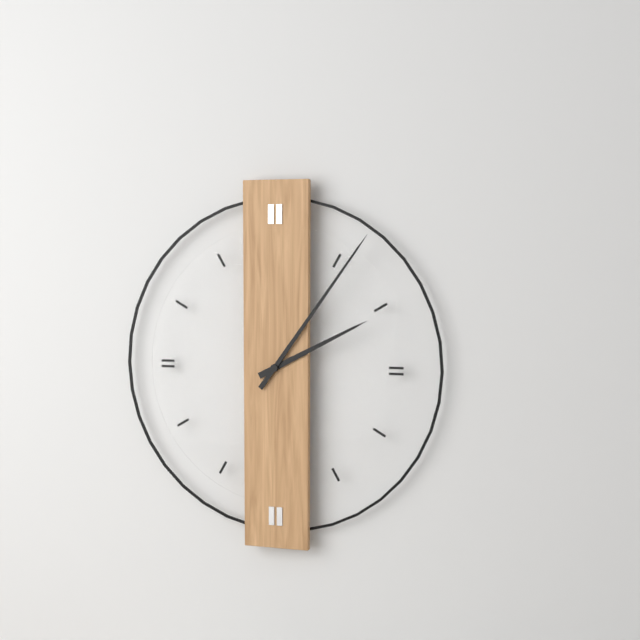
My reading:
2 h 06 min
